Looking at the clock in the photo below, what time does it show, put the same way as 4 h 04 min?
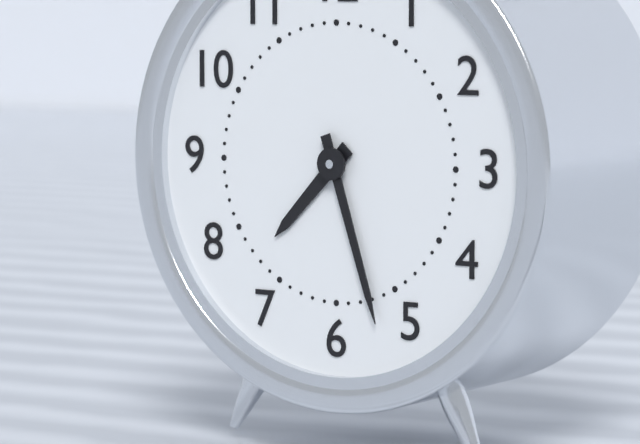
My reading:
7 h 27 min
